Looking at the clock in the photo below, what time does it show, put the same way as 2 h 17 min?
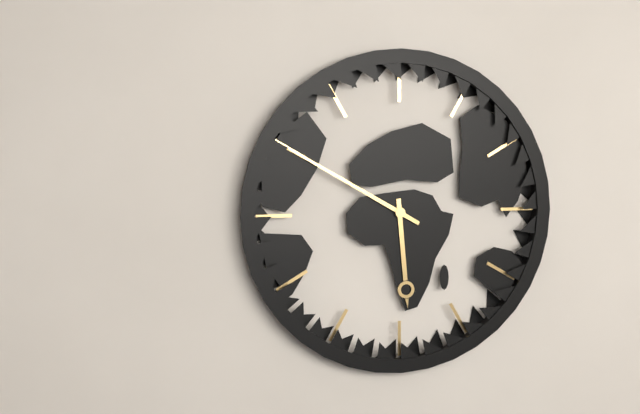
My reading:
5 h 50 min
